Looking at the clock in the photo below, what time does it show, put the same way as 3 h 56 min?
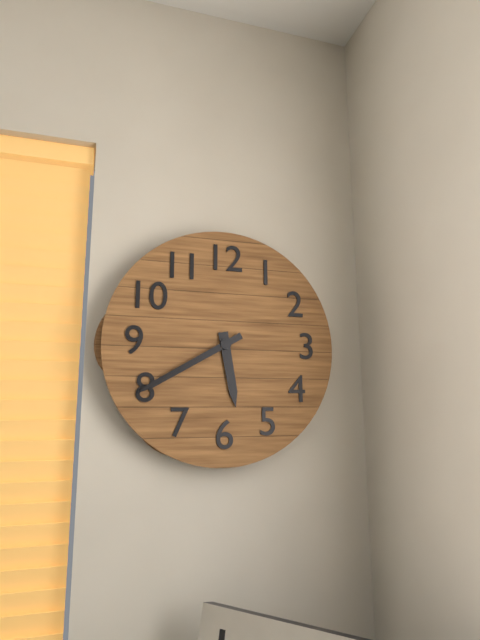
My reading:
5 h 40 min
